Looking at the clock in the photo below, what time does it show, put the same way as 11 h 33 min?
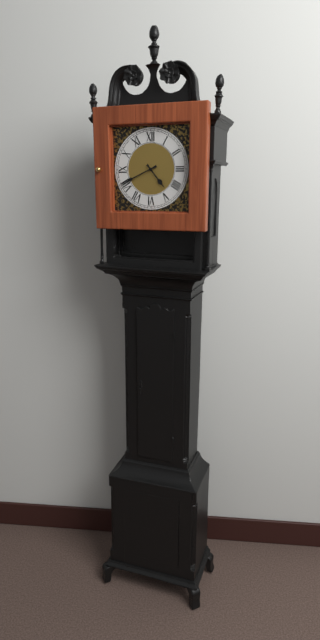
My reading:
4 h 41 min
